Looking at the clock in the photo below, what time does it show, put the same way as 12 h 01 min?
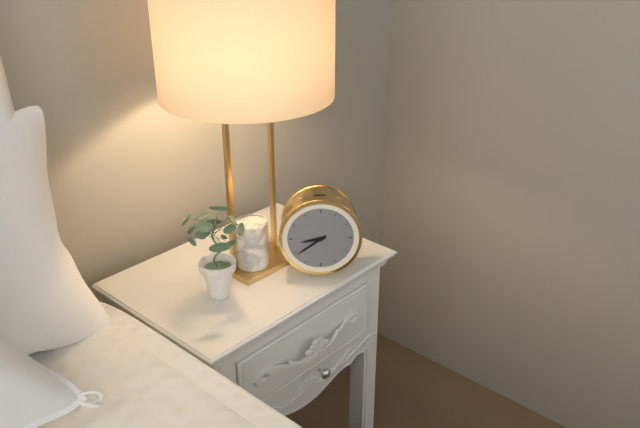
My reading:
8 h 39 min
